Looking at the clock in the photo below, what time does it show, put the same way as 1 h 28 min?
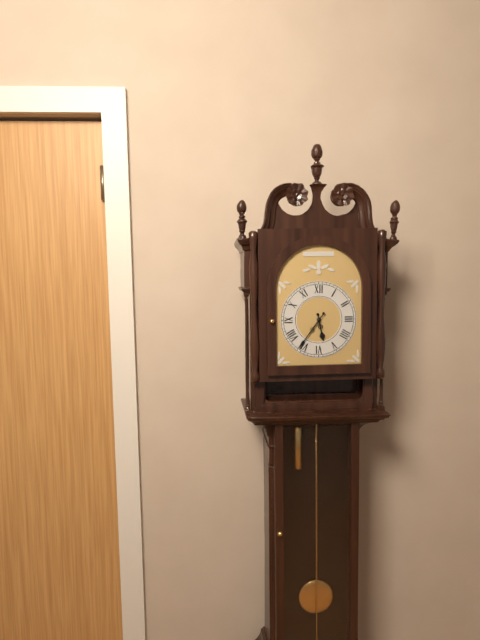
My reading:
5 h 36 min
